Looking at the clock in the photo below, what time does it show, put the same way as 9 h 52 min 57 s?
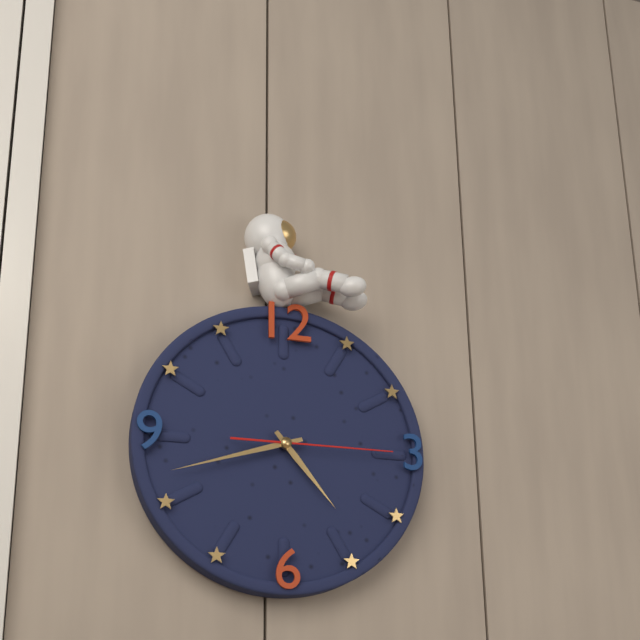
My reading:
4 h 42 min 15 s
